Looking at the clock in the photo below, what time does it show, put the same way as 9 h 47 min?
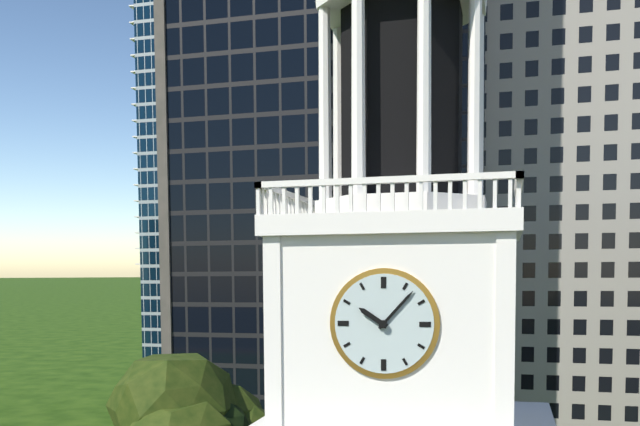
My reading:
10 h 07 min
